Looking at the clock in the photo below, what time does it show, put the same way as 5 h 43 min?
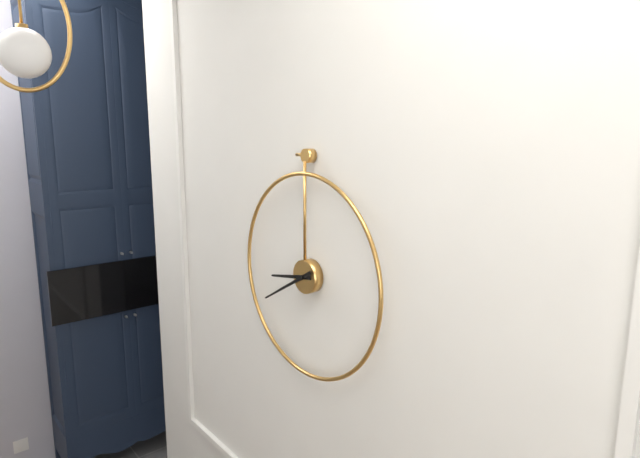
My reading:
8 h 40 min
